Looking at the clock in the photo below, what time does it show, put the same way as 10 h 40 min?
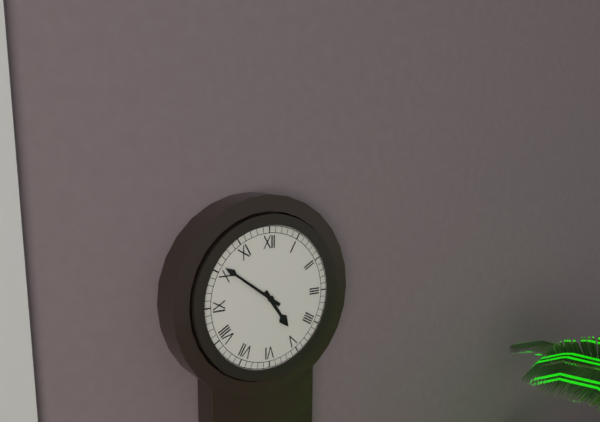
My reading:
4 h 51 min
